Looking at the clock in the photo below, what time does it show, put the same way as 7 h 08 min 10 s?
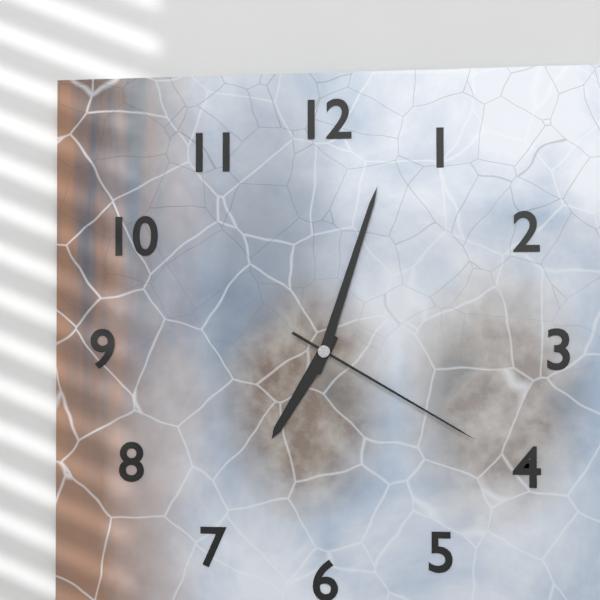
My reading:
7 h 03 min 20 s
